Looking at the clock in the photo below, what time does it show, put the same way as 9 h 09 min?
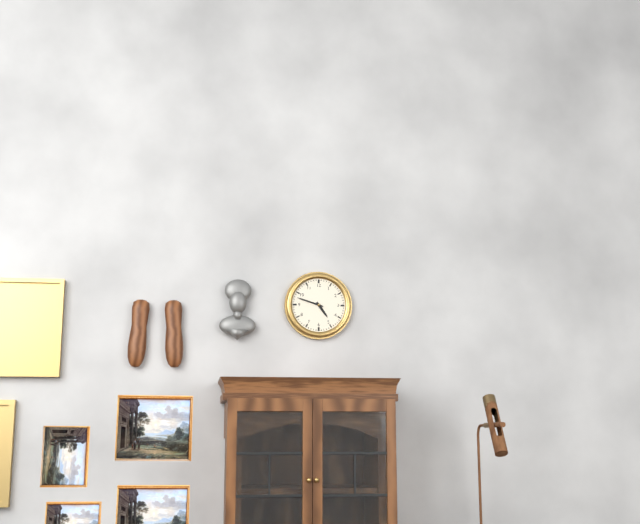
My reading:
4 h 48 min
